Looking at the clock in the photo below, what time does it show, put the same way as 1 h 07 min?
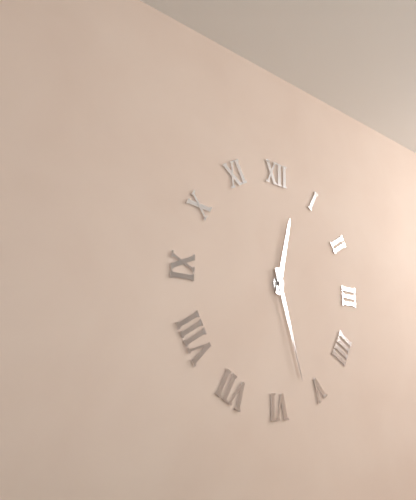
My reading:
12 h 27 min
